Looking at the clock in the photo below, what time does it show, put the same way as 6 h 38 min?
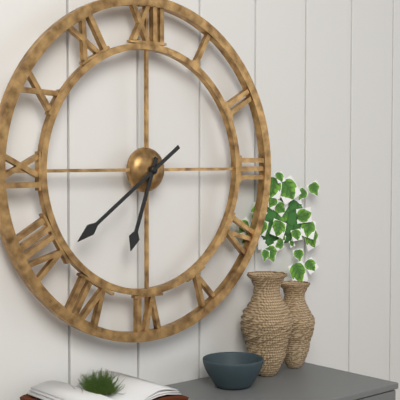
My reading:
6 h 39 min
